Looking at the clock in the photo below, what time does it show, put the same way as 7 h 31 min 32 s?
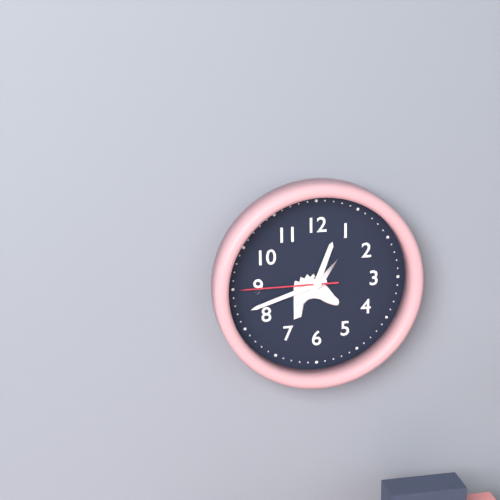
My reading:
12 h 42 min 45 s
